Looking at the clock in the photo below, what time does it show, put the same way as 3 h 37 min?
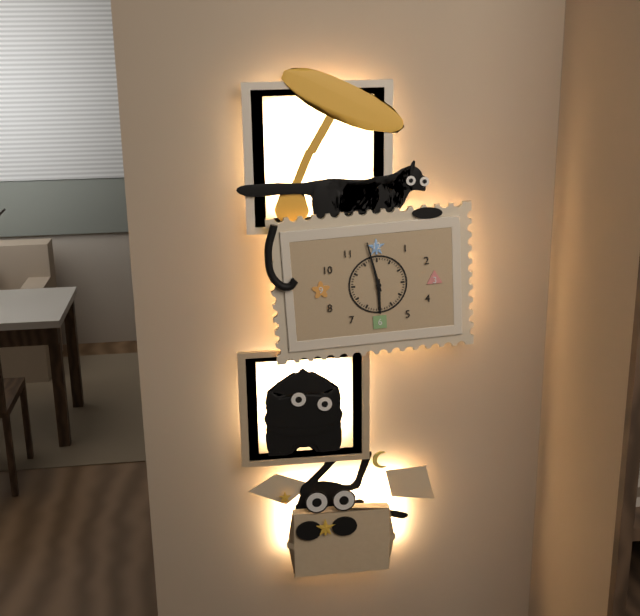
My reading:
5 h 58 min
